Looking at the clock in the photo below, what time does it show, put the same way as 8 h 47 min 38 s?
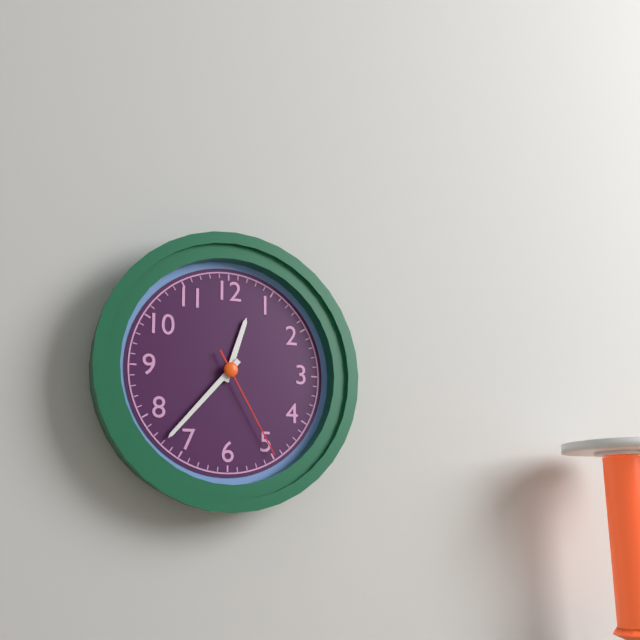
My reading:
12 h 37 min 25 s
